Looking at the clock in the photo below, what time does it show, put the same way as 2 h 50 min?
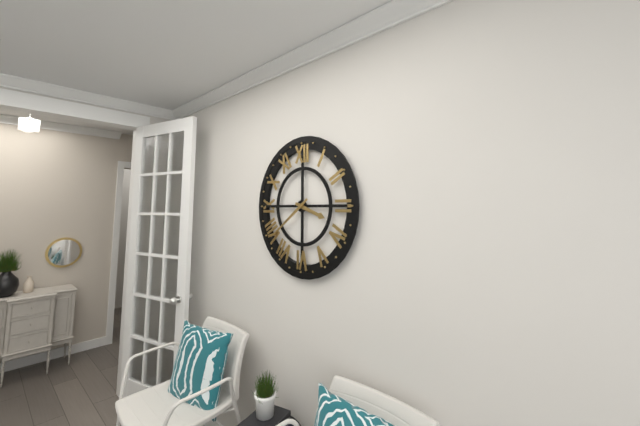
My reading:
3 h 39 min
